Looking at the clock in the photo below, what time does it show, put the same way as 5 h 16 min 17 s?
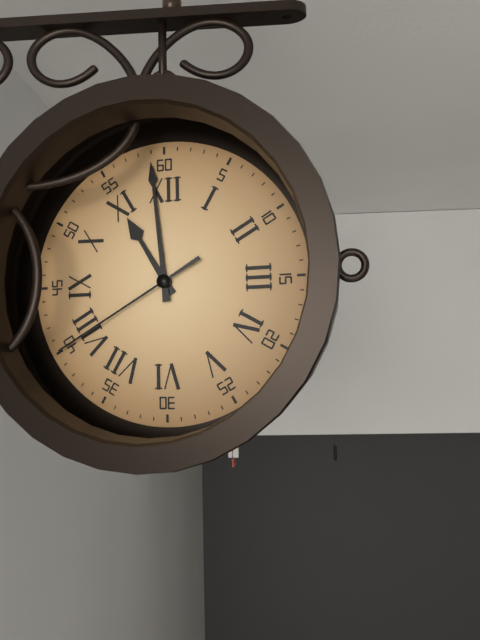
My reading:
10 h 59 min 40 s
